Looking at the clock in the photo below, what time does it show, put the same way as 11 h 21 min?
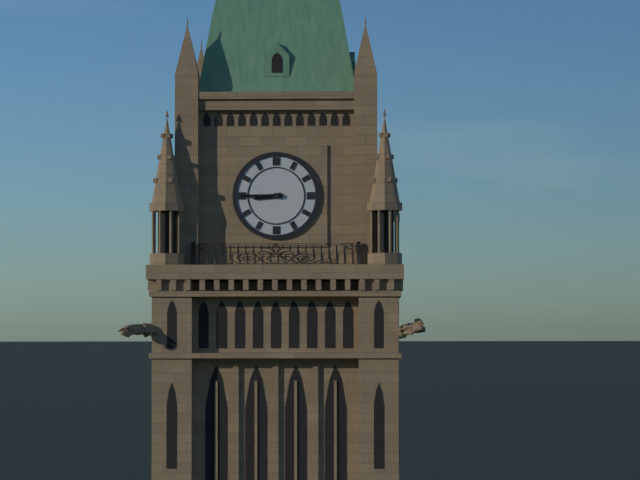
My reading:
8 h 45 min
